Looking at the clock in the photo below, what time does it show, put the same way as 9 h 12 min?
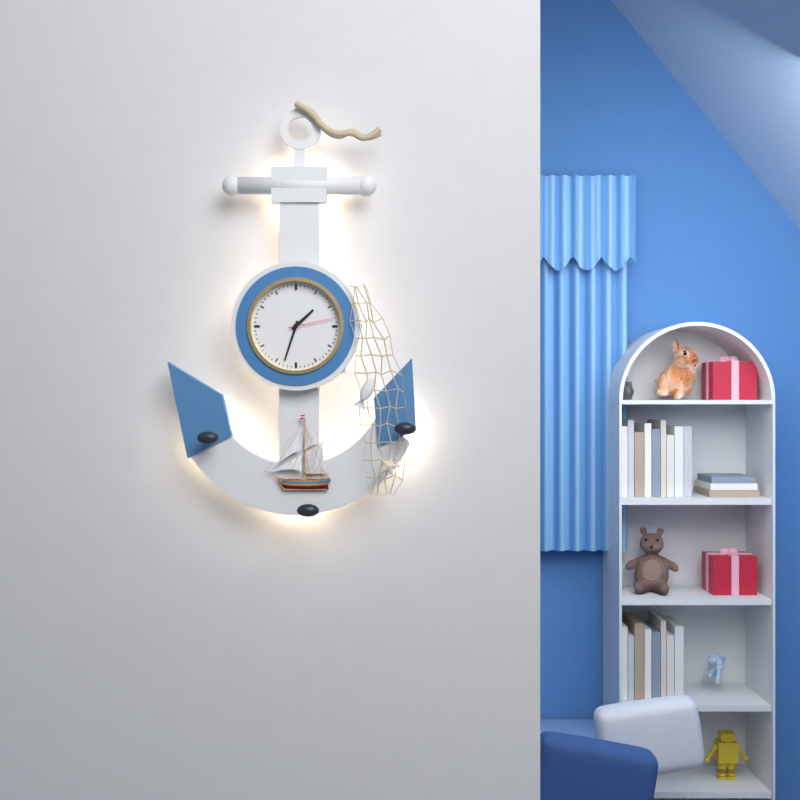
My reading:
1 h 33 min
